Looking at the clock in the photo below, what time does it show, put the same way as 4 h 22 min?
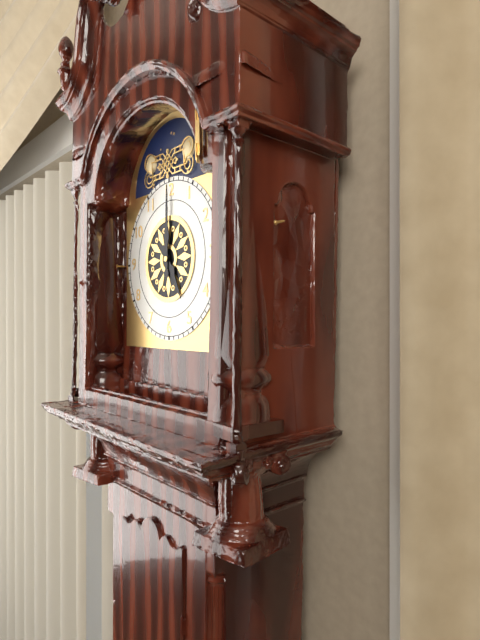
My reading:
5 h 00 min
